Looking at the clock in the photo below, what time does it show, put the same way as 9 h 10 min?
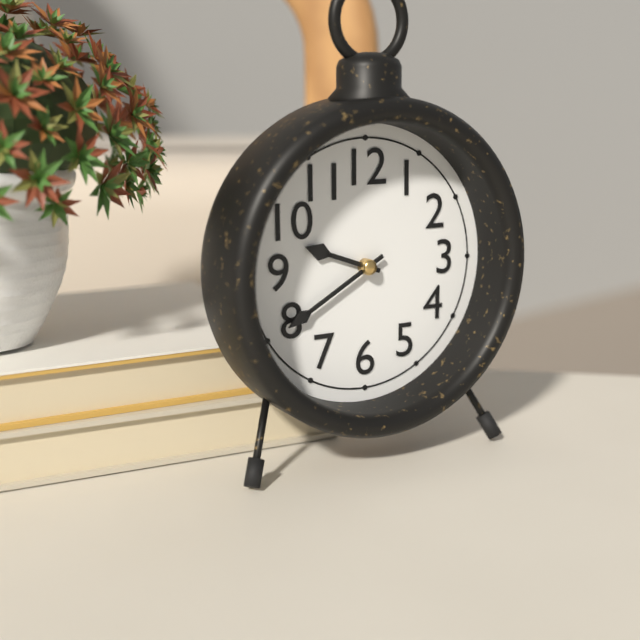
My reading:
9 h 40 min
